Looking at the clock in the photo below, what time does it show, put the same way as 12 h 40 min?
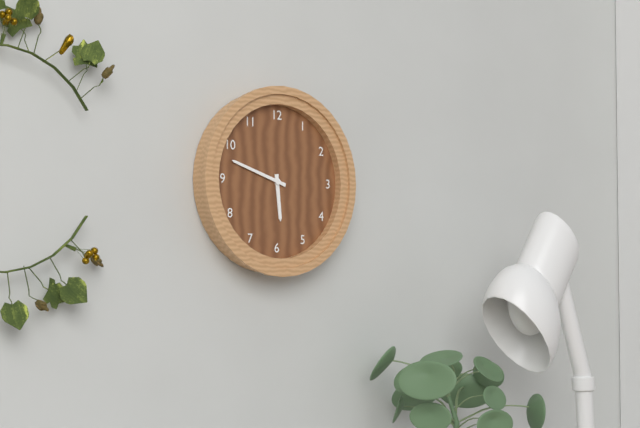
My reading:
5 h 48 min
